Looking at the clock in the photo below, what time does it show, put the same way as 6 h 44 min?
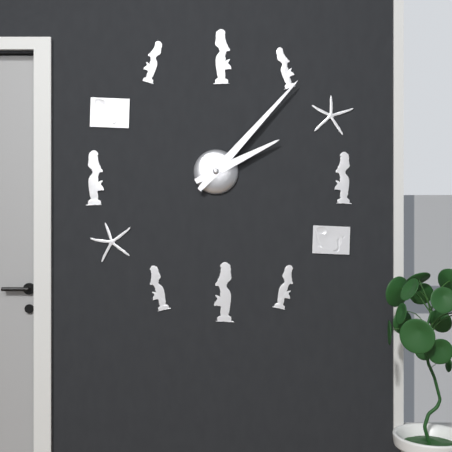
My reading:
2 h 07 min
